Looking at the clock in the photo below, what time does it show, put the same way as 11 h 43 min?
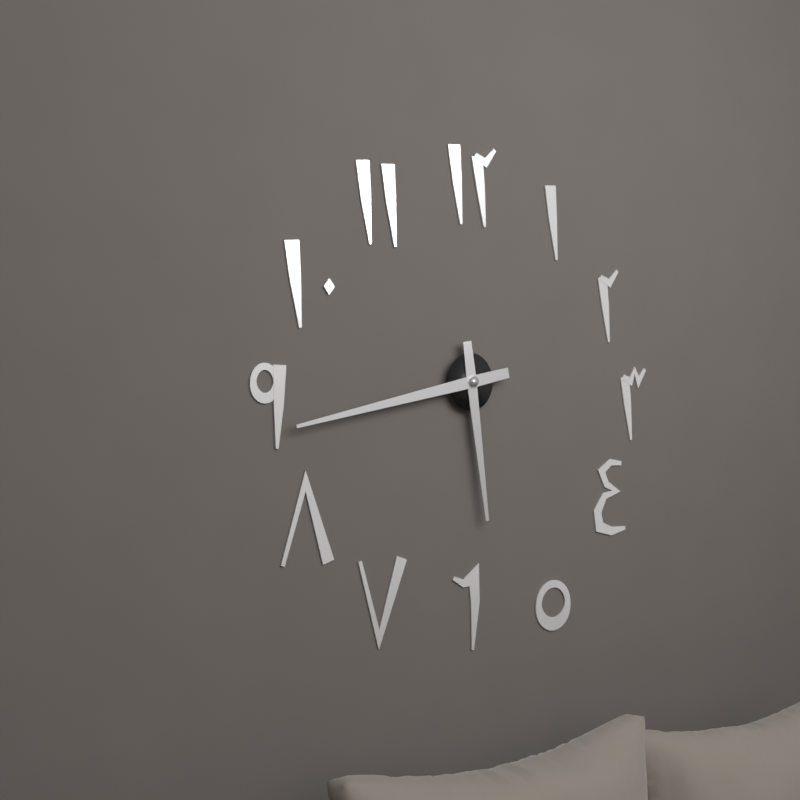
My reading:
5 h 43 min
